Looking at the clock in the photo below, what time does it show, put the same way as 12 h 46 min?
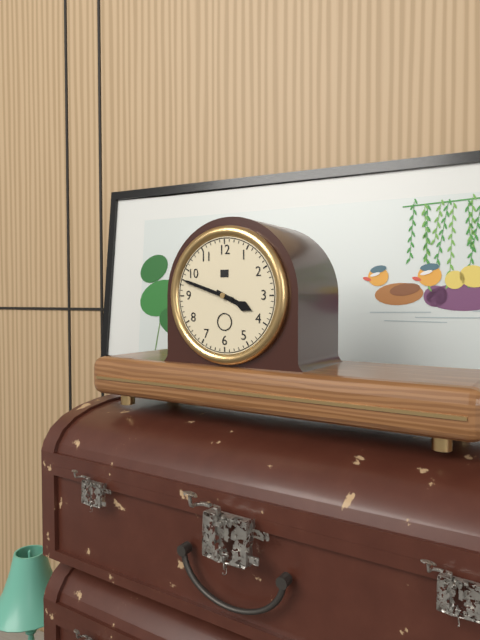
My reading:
3 h 48 min
